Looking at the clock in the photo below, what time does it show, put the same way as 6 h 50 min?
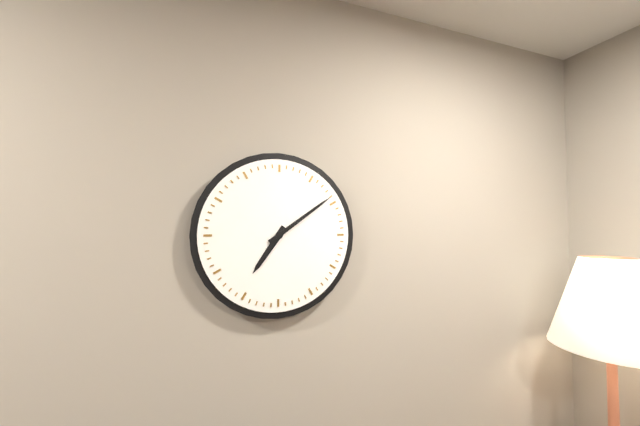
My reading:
7 h 09 min
